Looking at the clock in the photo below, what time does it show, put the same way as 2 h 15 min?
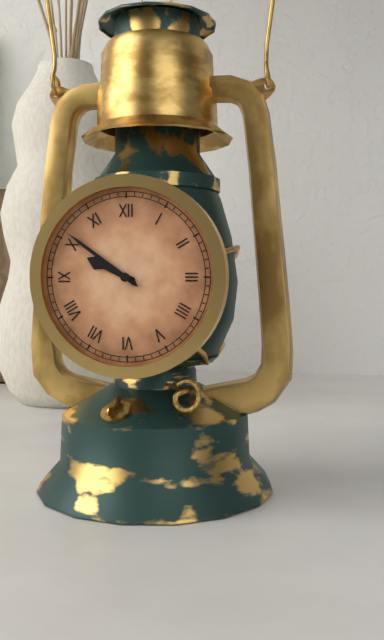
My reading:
9 h 51 min
